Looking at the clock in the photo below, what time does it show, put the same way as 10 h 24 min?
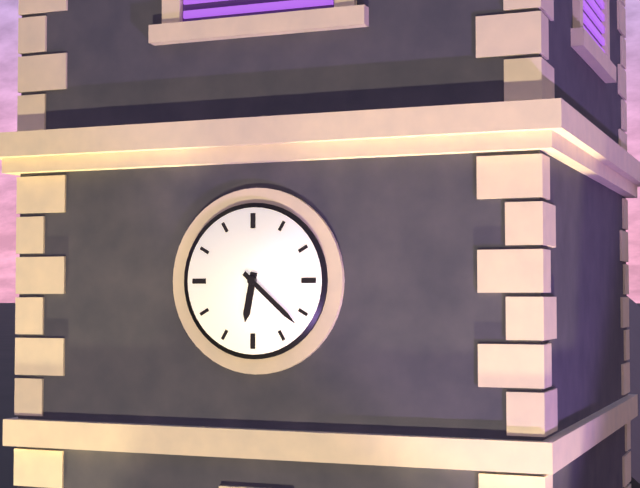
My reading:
6 h 22 min
